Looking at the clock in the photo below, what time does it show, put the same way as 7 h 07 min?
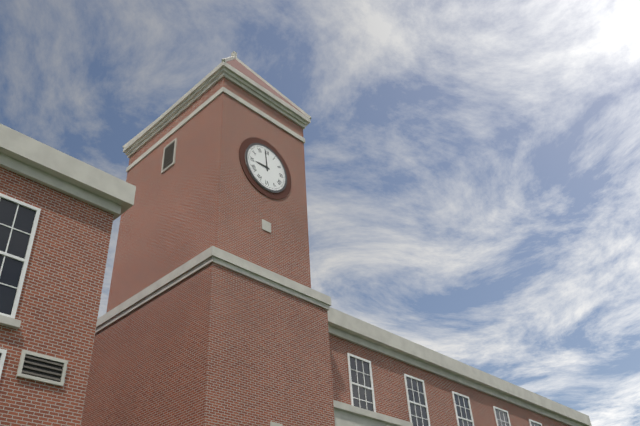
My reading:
8 h 59 min
